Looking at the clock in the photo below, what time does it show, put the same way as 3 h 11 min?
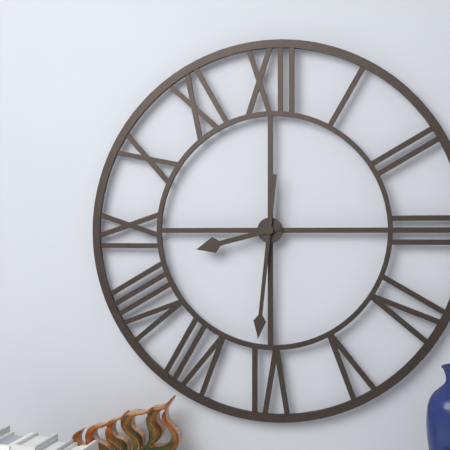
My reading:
8 h 31 min
